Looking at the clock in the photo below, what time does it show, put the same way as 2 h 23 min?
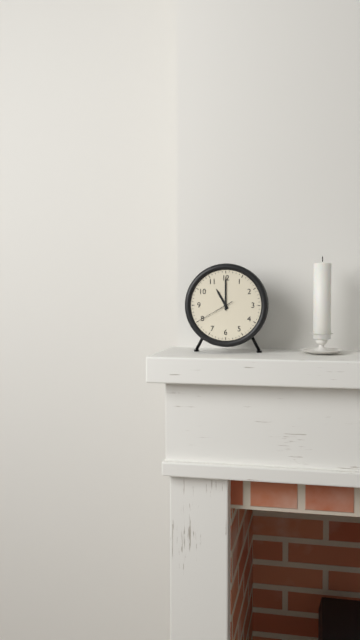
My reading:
11 h 00 min
